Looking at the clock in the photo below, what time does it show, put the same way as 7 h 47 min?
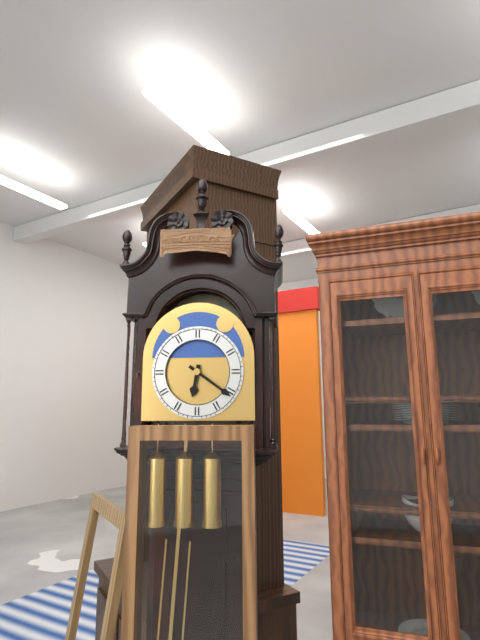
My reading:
6 h 21 min
